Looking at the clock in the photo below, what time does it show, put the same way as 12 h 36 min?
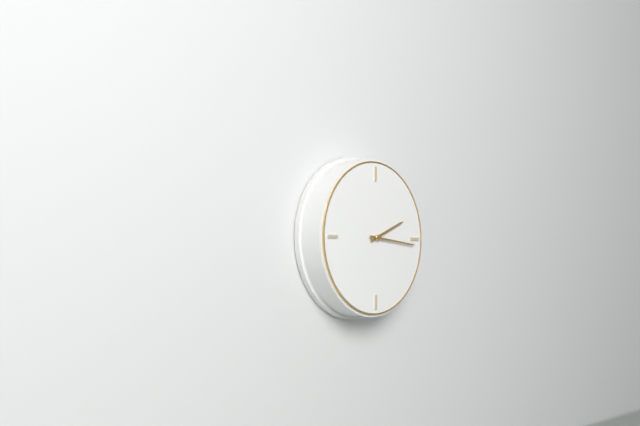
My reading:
2 h 16 min
